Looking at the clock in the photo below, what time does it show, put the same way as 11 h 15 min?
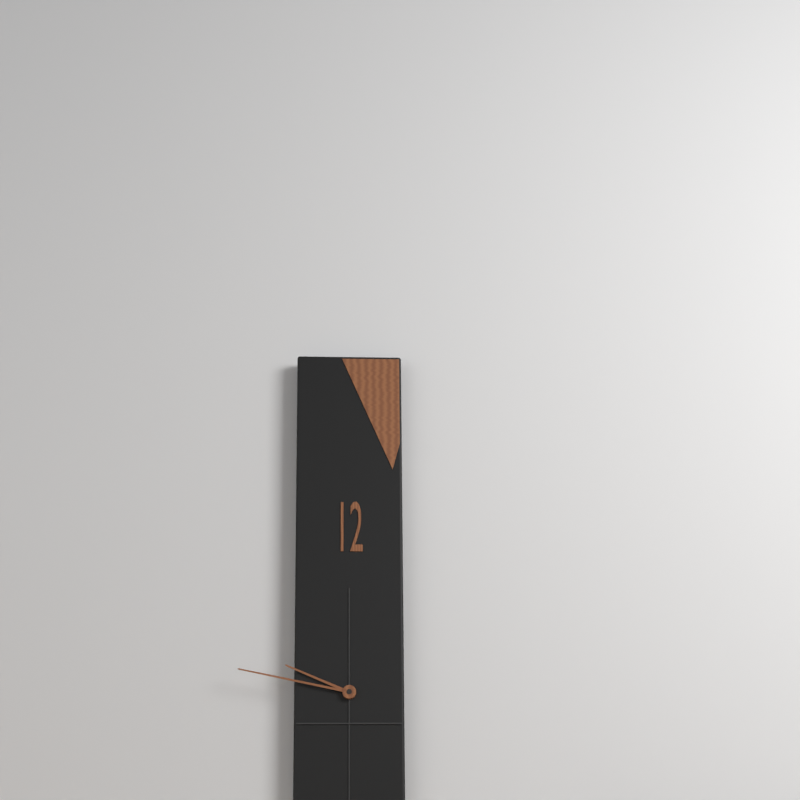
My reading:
9 h 47 min
